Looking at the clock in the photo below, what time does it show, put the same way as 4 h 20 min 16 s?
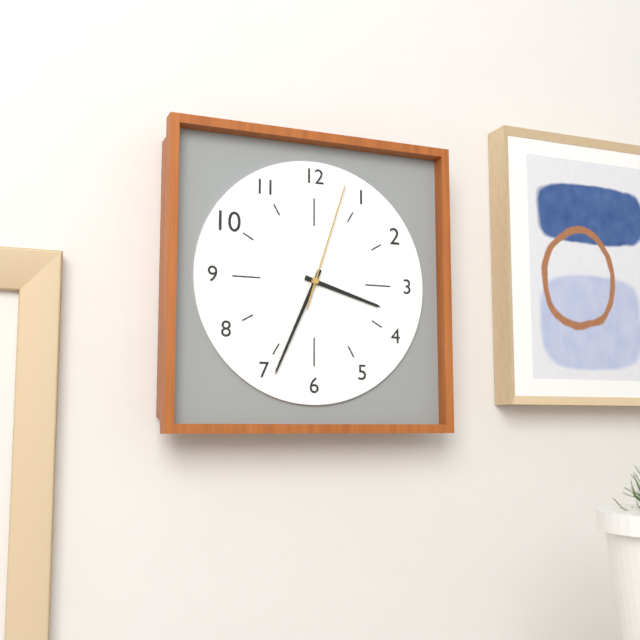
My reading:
3 h 34 min 03 s
